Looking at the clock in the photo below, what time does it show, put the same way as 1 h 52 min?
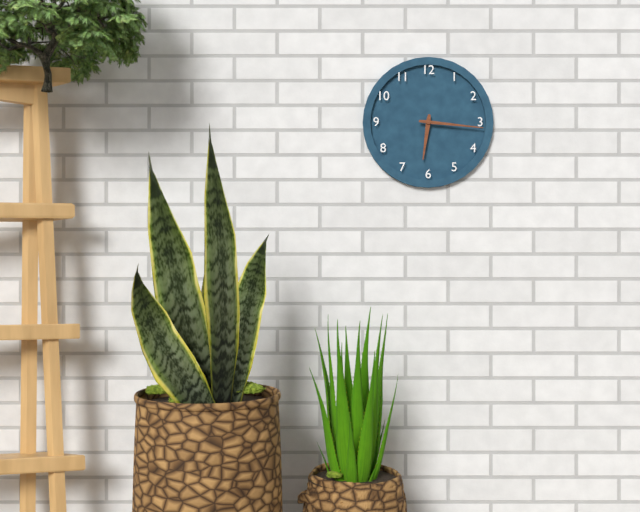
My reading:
6 h 16 min
